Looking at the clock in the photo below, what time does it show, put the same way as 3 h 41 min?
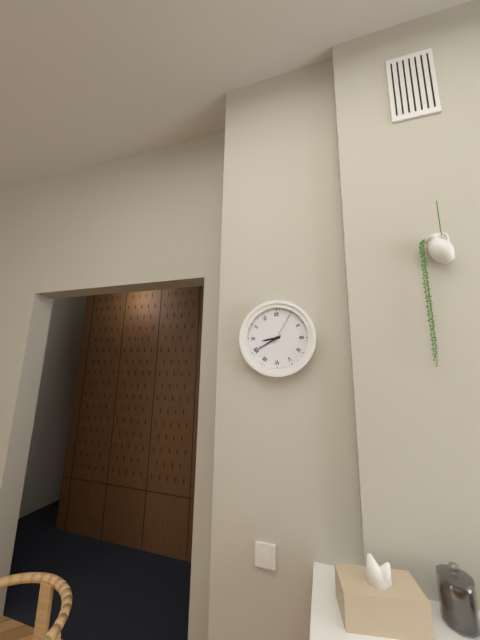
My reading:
8 h 40 min
